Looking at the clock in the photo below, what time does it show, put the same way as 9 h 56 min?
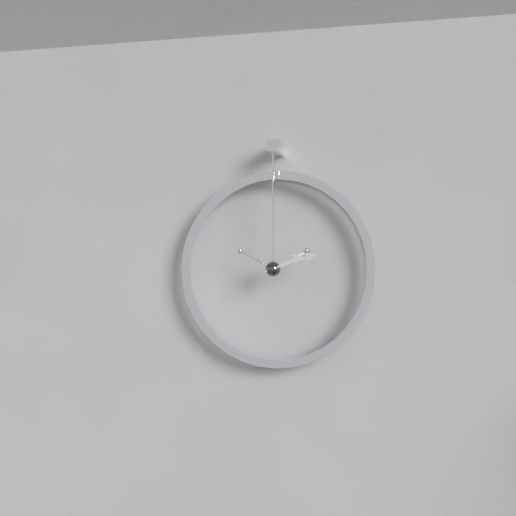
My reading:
2 h 12 min
